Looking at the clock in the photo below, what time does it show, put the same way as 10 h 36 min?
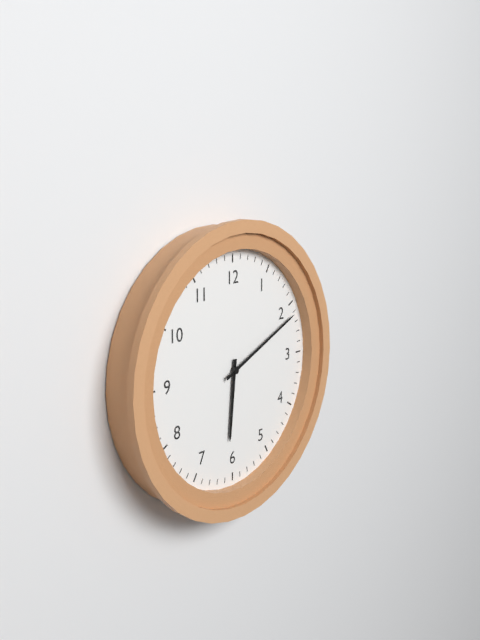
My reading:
6 h 11 min
